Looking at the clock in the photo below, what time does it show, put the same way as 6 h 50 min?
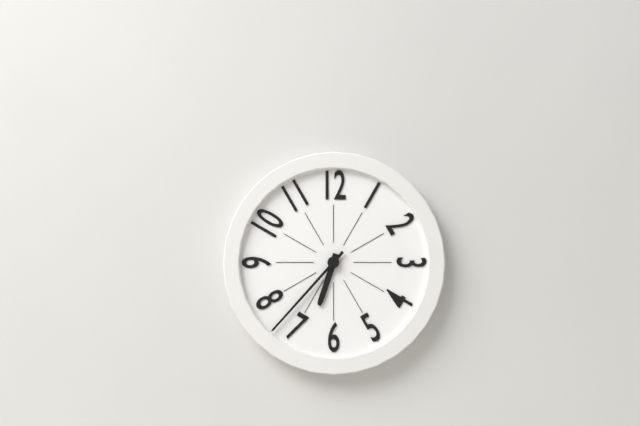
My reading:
6 h 37 min
